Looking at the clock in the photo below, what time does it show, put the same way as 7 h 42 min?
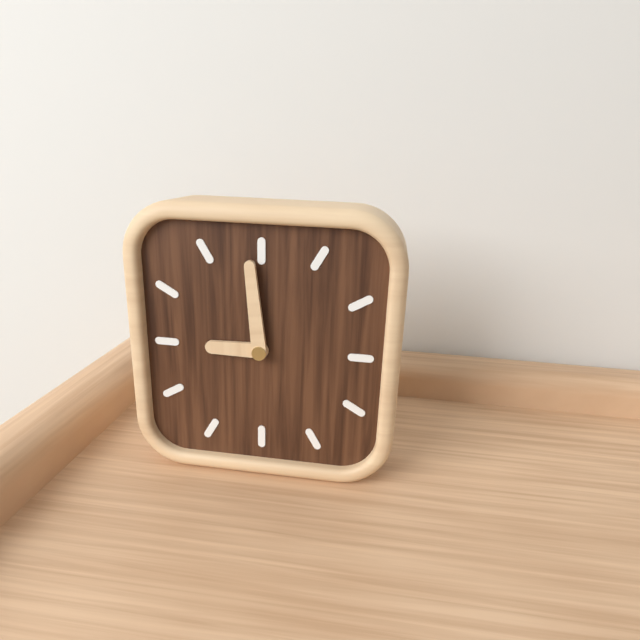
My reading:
8 h 59 min
